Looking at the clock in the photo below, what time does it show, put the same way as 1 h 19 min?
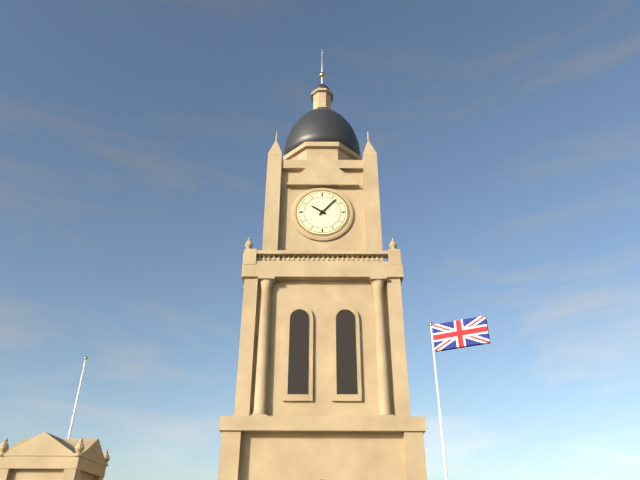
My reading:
10 h 07 min
